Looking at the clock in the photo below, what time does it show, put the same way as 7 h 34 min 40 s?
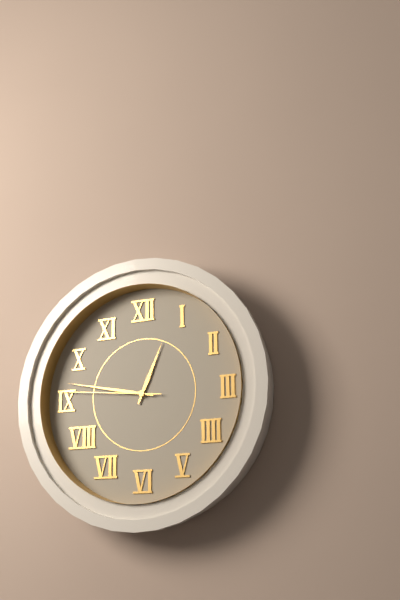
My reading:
12 h 47 min 46 s
